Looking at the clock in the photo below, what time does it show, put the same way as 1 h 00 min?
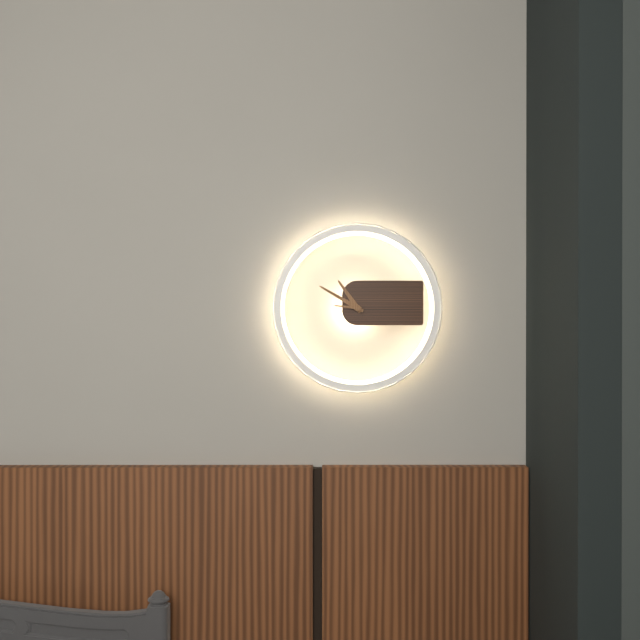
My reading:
10 h 50 min
